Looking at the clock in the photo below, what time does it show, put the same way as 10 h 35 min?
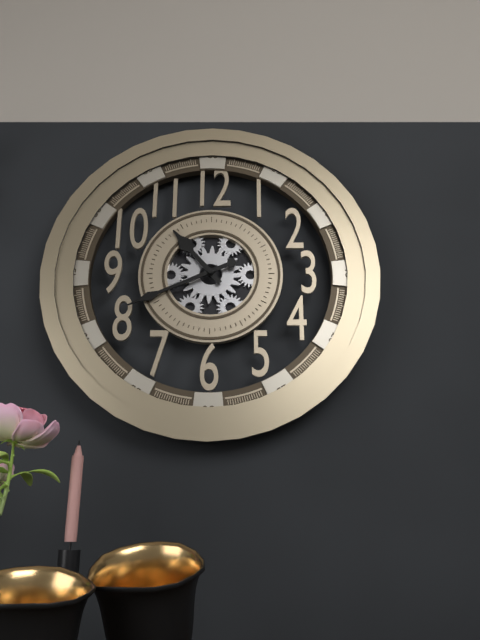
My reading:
10 h 41 min
